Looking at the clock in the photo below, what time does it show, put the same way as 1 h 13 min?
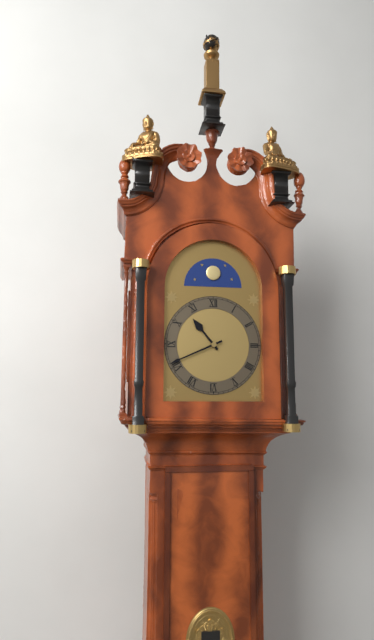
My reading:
10 h 41 min
